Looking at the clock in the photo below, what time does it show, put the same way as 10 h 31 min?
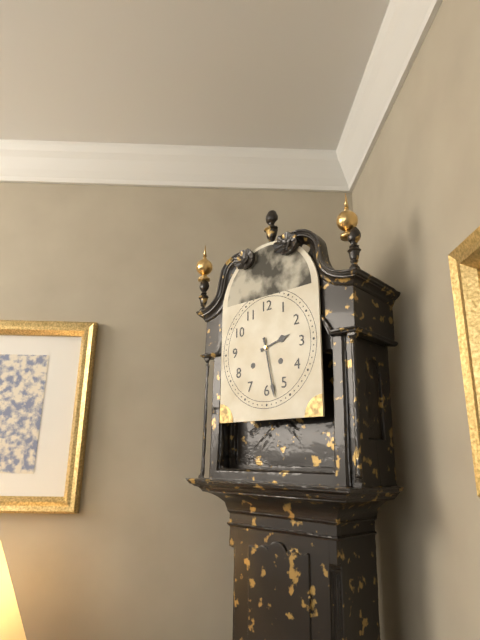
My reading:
2 h 28 min
